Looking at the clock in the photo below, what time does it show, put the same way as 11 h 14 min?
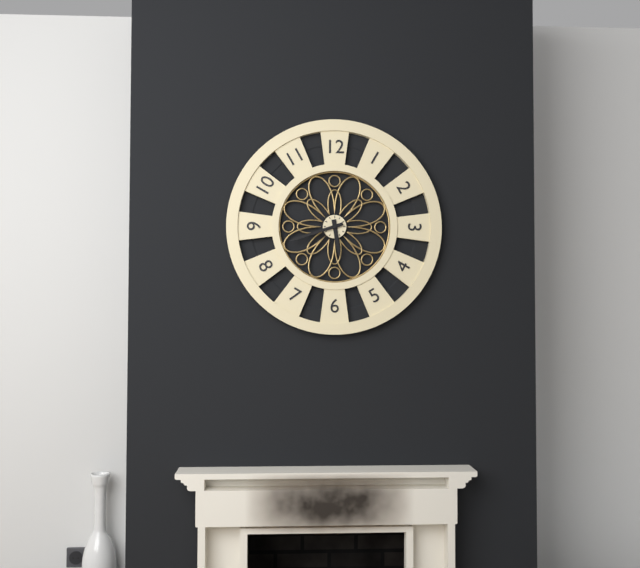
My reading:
5 h 42 min
